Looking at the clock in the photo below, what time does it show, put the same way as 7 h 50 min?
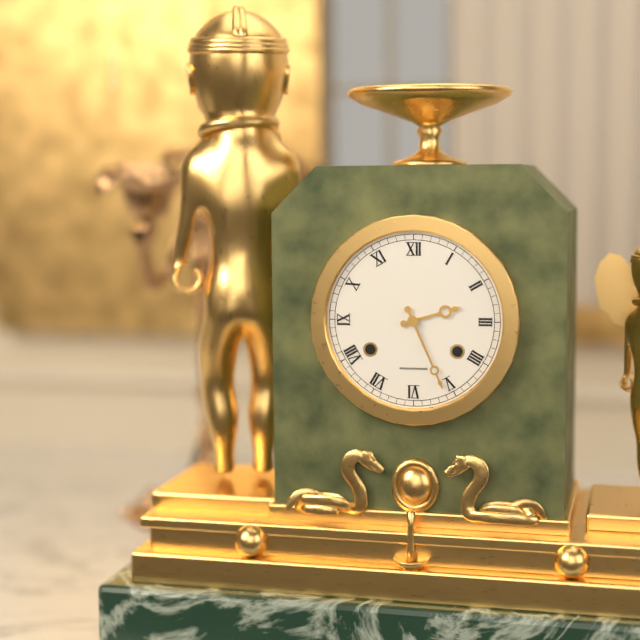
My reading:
2 h 26 min
